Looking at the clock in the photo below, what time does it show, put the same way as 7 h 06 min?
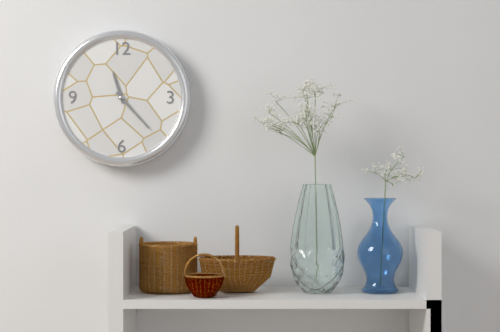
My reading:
11 h 23 min
